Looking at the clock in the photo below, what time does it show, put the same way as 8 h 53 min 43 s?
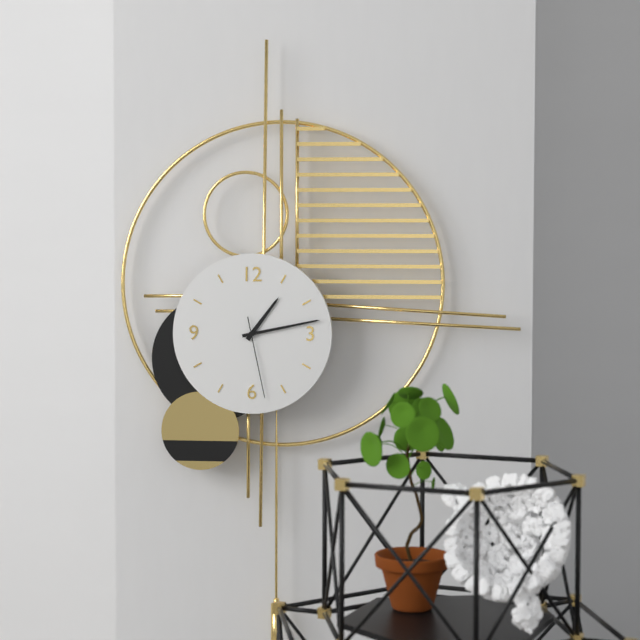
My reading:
1 h 13 min 28 s
